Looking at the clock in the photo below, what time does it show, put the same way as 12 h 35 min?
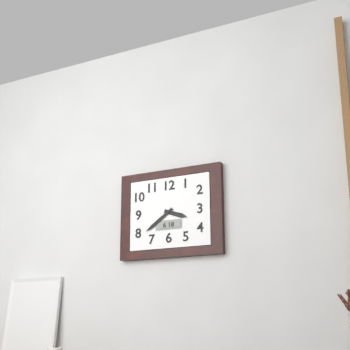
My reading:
3 h 39 min
